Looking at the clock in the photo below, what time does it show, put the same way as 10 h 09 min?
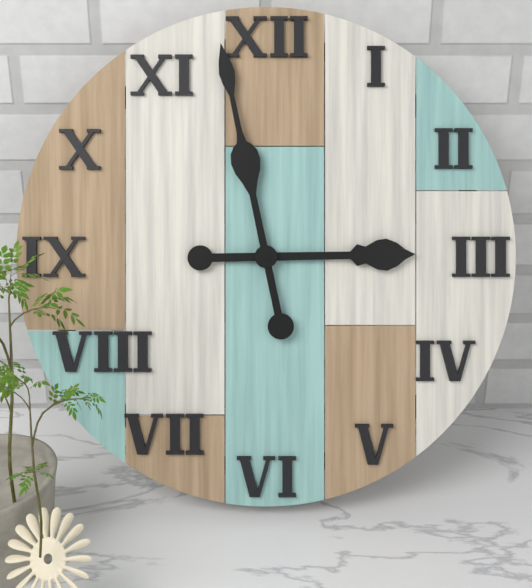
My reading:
2 h 58 min
